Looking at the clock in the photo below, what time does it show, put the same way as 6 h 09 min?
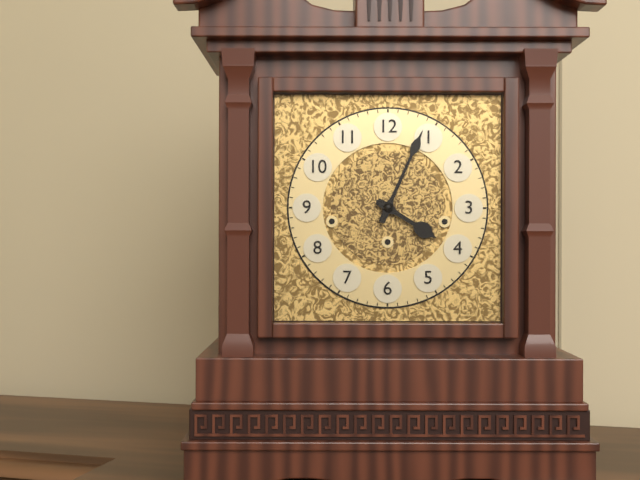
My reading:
4 h 04 min
